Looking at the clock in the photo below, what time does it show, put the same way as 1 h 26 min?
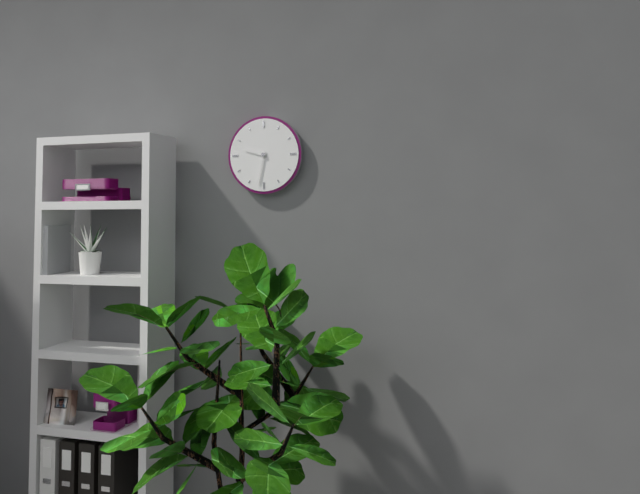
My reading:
9 h 32 min
